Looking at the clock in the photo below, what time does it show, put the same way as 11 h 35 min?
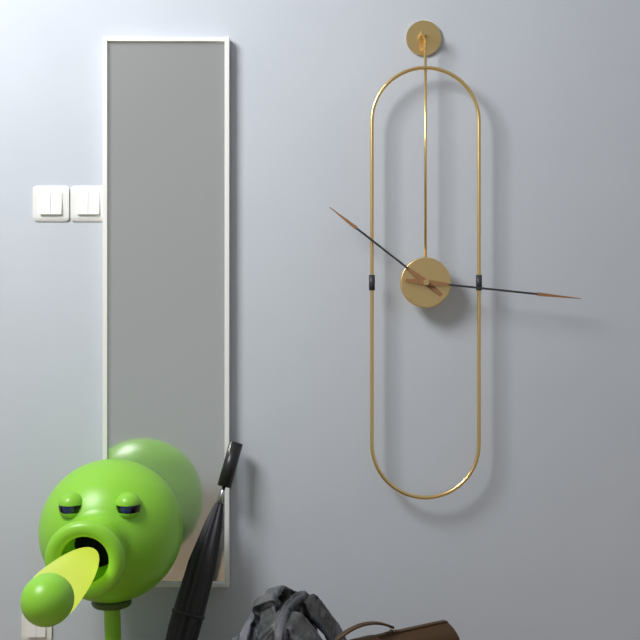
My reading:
10 h 16 min
